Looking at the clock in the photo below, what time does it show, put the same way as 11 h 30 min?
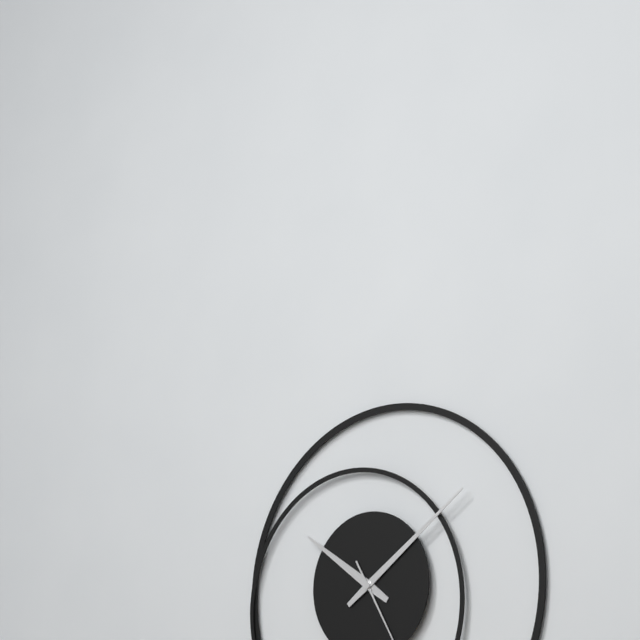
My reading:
10 h 09 min
